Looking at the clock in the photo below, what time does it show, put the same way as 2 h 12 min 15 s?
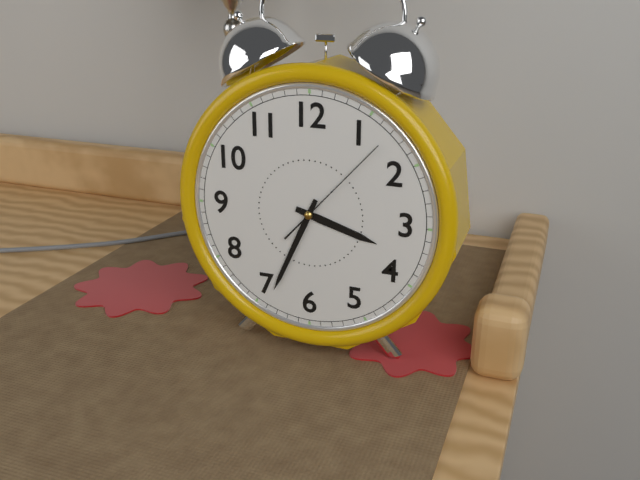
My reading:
3 h 34 min 07 s
